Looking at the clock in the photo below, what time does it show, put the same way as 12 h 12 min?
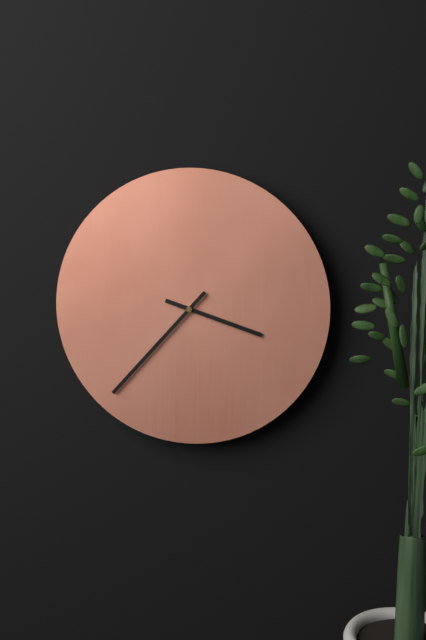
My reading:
3 h 37 min
